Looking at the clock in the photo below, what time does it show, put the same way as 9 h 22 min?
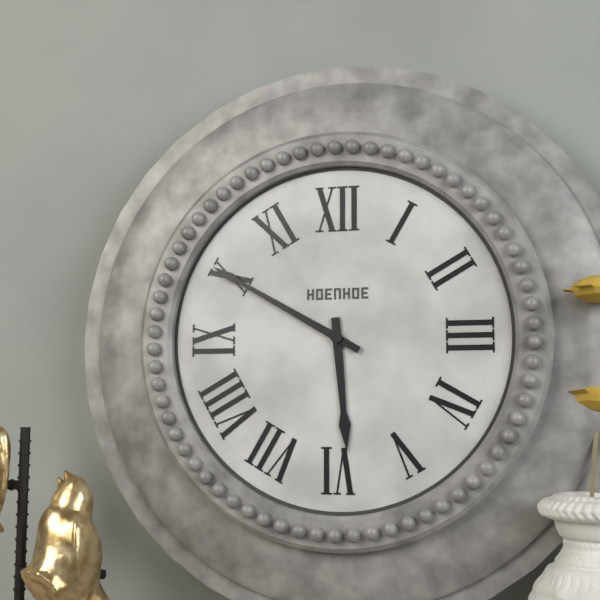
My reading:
5 h 50 min
